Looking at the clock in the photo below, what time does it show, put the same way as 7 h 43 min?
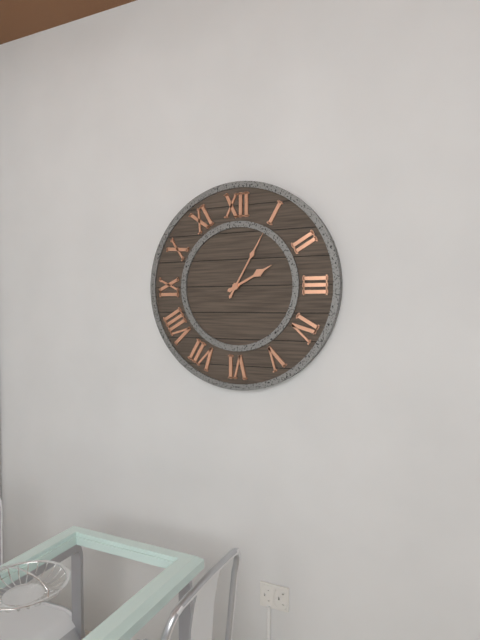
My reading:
2 h 05 min
